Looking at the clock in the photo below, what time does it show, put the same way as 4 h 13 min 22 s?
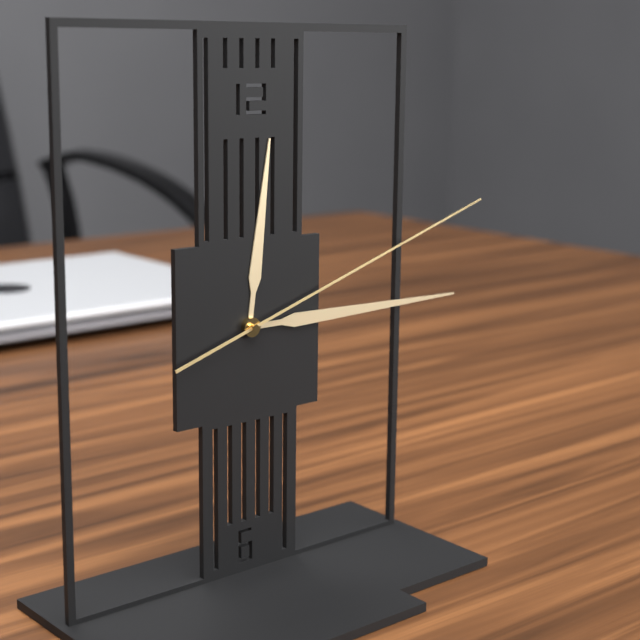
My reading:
12 h 15 min 12 s
